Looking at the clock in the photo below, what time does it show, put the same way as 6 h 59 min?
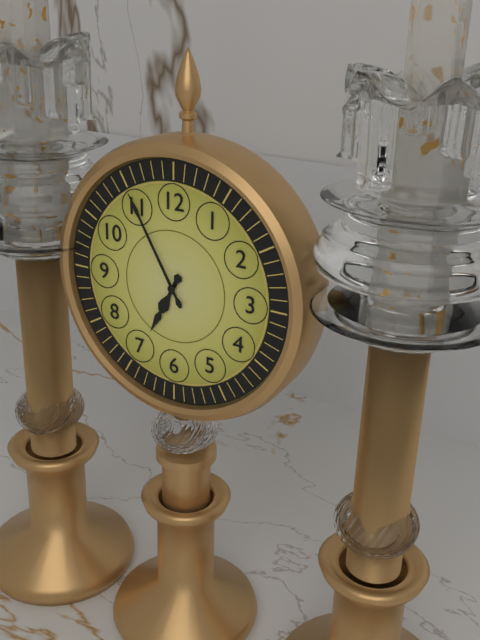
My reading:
6 h 55 min
